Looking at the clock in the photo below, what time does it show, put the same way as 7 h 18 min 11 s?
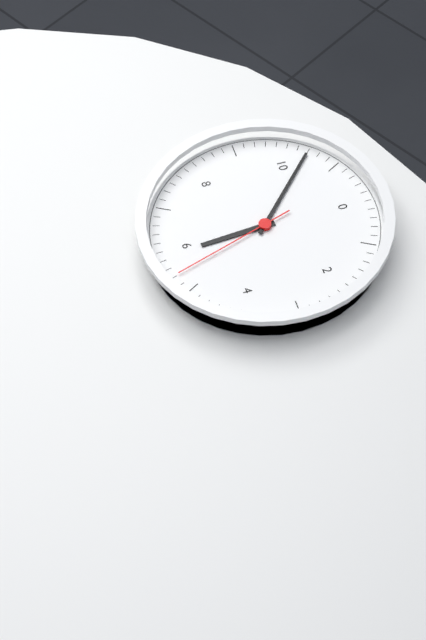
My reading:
5 h 52 min 27 s
